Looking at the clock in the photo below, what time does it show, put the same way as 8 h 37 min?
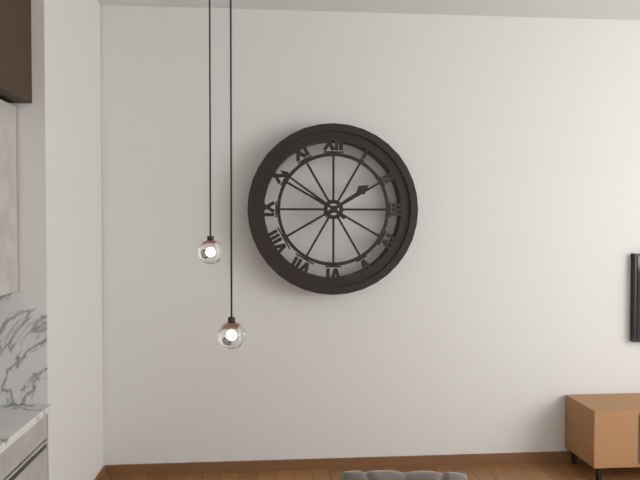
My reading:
1 h 51 min
